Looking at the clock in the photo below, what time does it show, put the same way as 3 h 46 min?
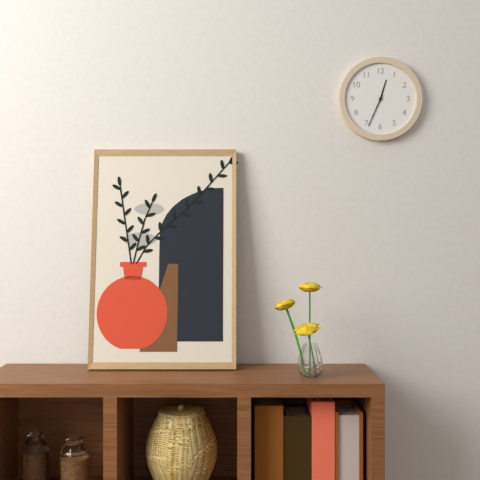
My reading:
12 h 34 min
